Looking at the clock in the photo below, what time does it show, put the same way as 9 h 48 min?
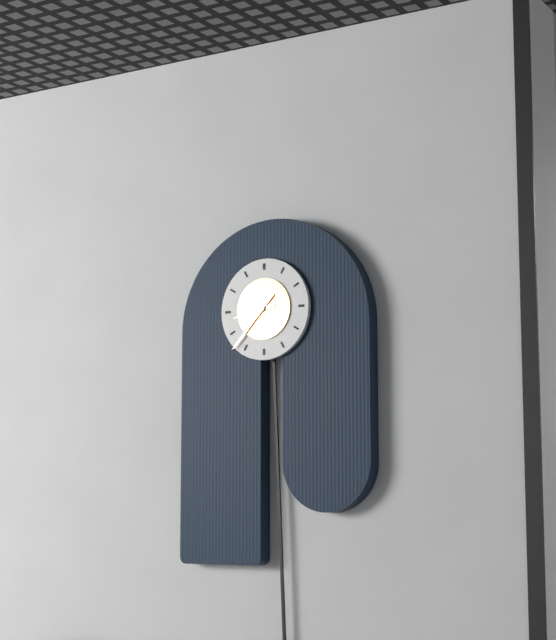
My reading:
8 h 37 min
